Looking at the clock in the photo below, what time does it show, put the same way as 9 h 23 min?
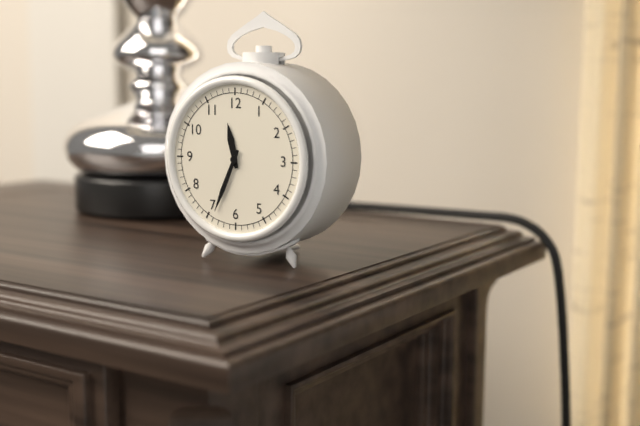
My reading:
11 h 34 min
